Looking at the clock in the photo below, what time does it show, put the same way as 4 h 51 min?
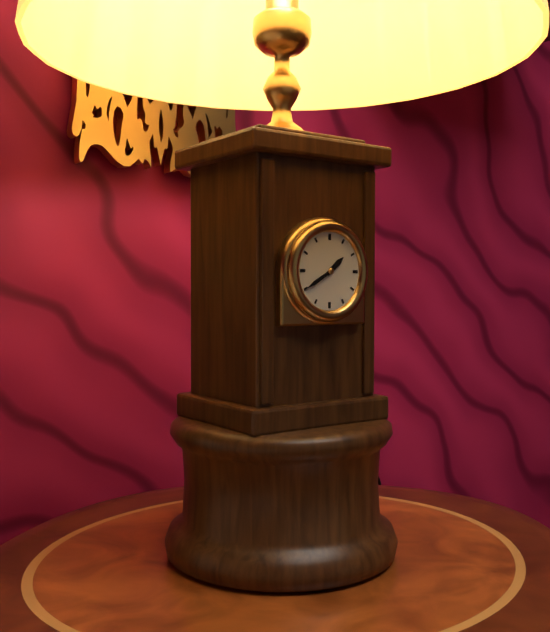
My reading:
1 h 40 min
